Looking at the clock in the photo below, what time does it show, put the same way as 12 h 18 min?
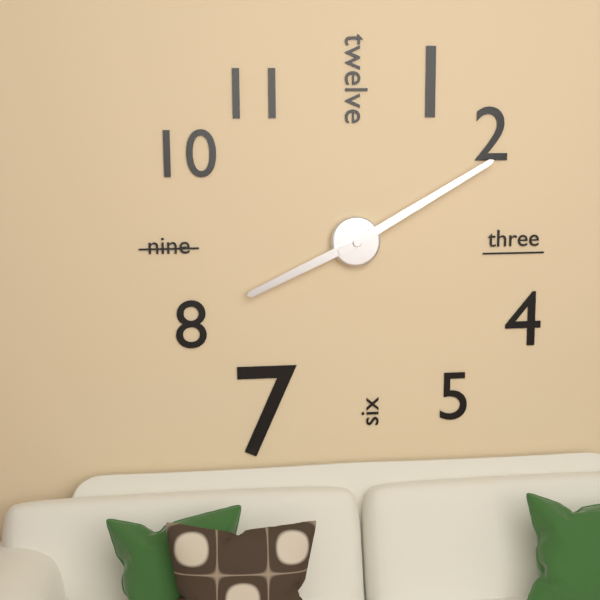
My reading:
8 h 10 min
